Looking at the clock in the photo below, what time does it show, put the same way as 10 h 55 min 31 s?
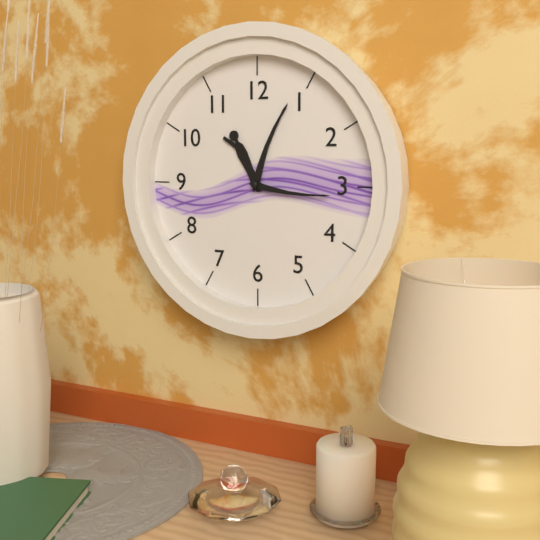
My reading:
11 h 04 min 16 s
